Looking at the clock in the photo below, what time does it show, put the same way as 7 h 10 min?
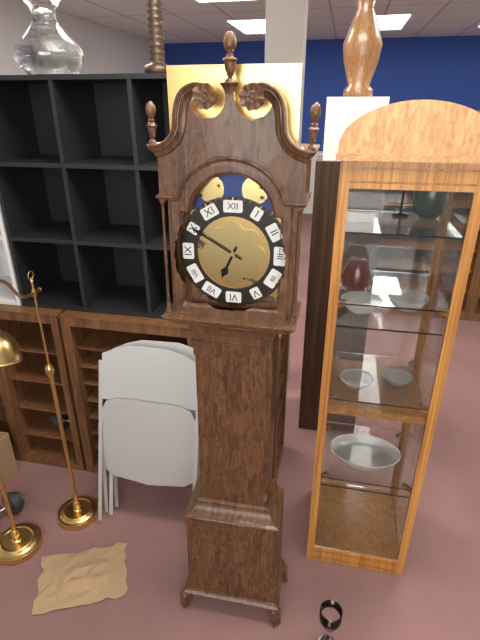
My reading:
6 h 50 min
